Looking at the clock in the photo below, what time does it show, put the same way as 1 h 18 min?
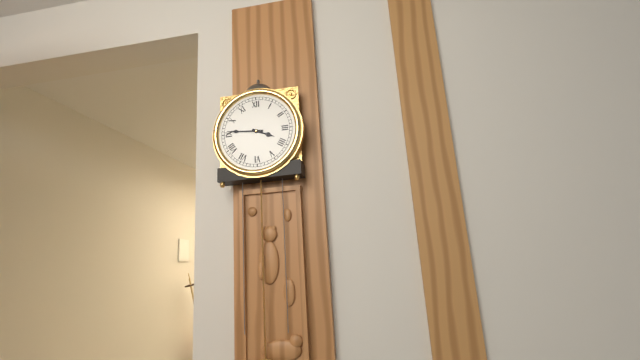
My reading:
3 h 46 min
